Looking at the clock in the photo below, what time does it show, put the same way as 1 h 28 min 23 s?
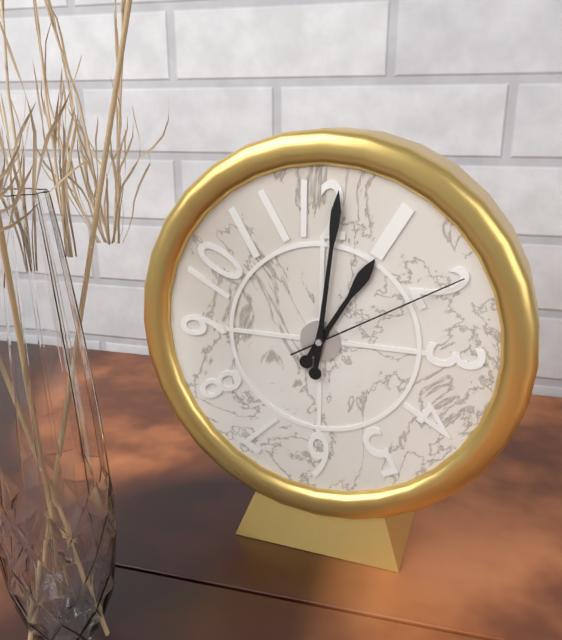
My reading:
1 h 01 min 10 s
